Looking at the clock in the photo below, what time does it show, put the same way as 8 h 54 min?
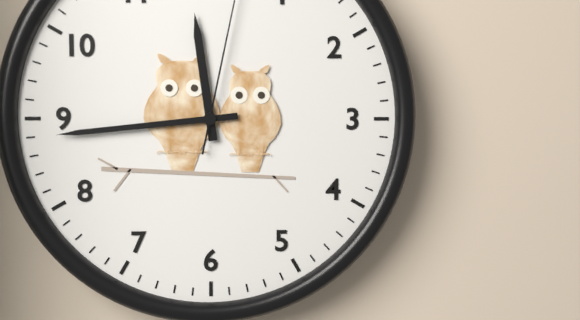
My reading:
11 h 44 min
